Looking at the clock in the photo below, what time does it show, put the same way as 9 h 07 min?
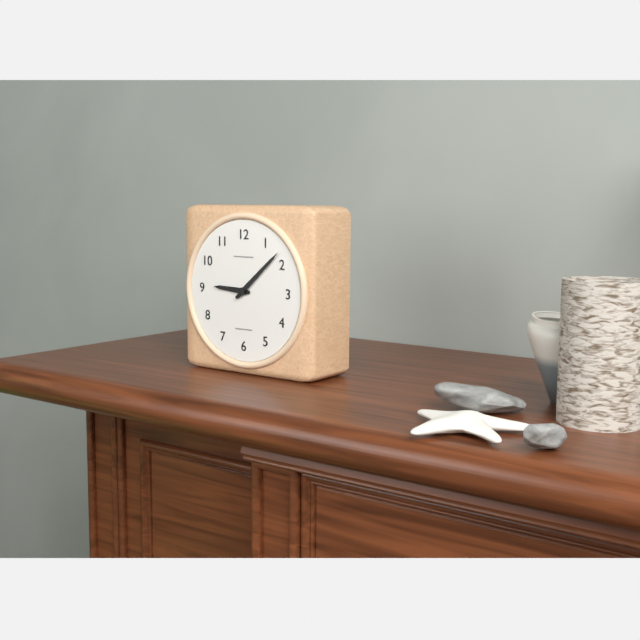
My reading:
9 h 08 min
